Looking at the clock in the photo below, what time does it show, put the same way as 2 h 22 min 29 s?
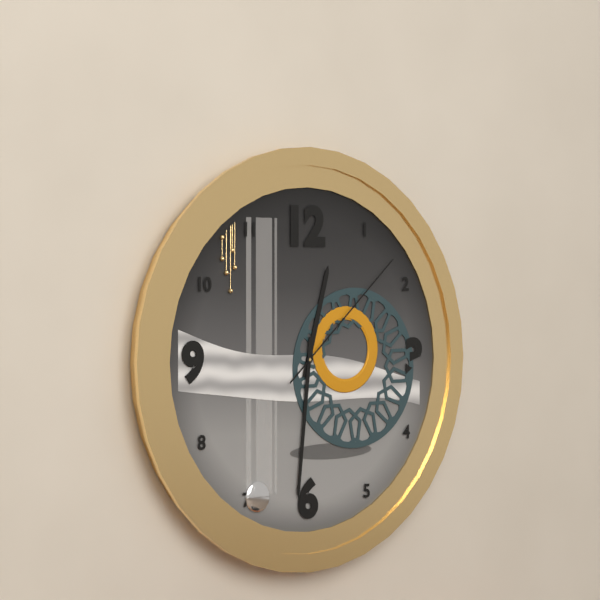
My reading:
12 h 31 min 08 s
